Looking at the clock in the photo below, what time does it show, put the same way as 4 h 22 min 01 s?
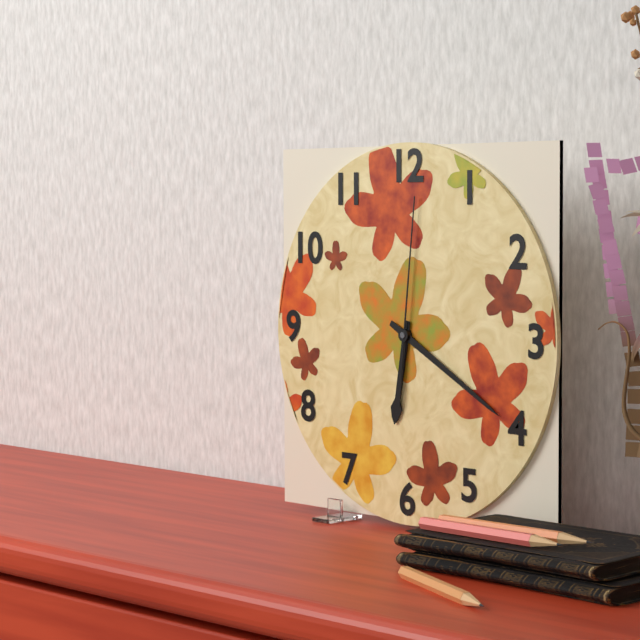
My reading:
6 h 20 min 01 s
